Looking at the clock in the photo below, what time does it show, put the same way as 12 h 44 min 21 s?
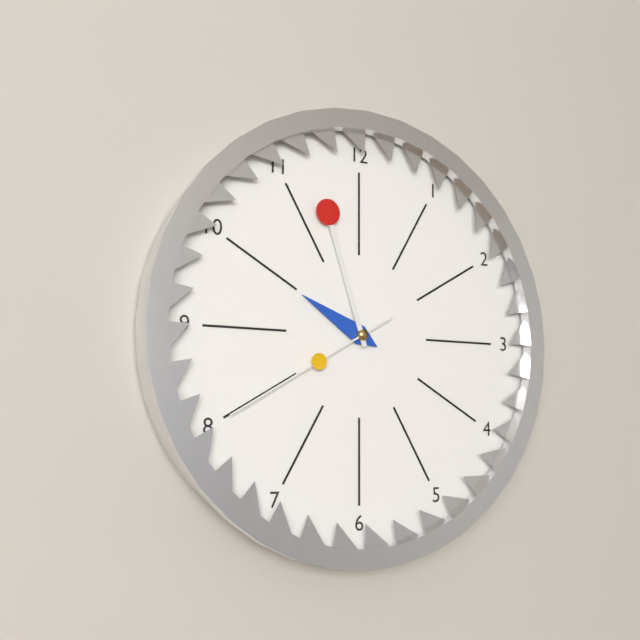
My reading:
9 h 57 min 40 s
